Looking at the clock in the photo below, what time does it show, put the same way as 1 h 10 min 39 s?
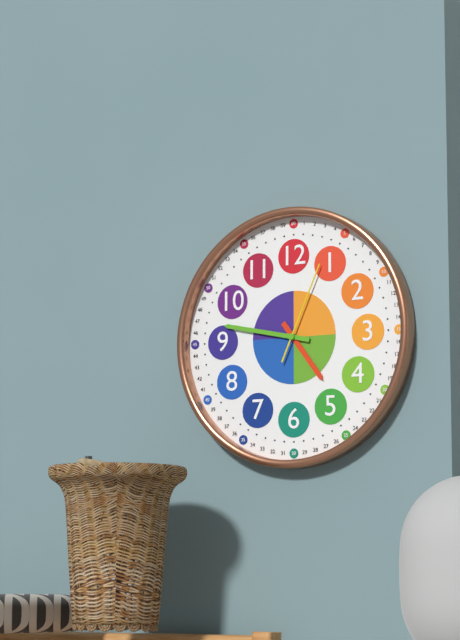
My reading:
4 h 47 min 04 s
